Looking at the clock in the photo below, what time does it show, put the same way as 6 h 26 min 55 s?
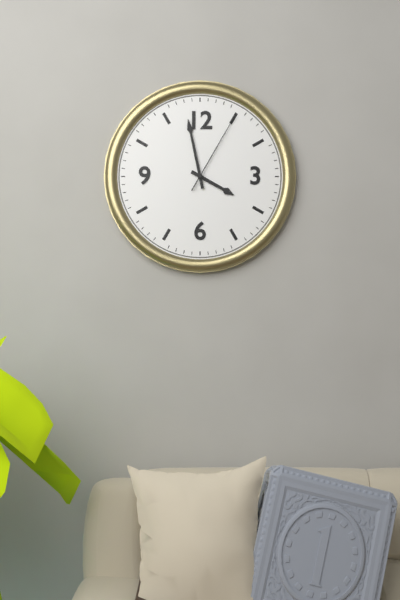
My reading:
3 h 58 min 05 s
